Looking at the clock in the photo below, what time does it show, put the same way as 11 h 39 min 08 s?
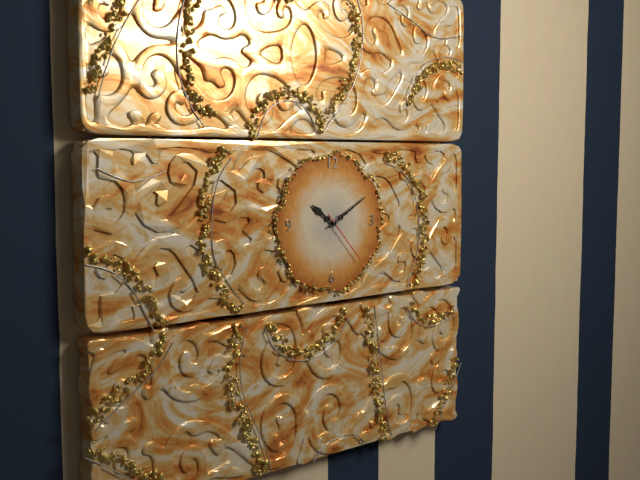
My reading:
10 h 10 min 23 s
